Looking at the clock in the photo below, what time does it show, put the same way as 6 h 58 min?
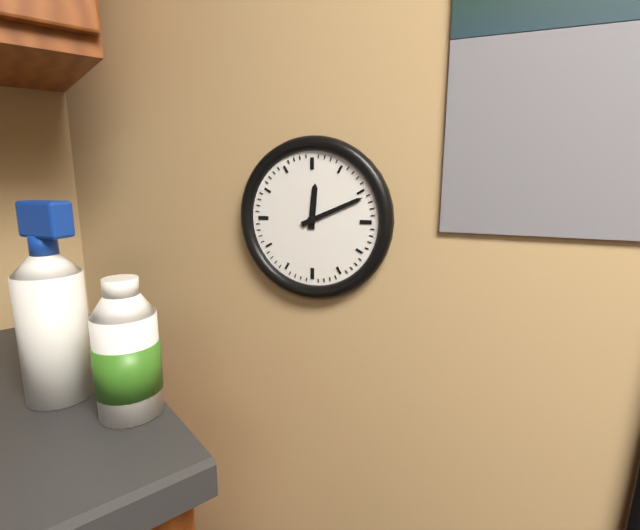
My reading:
12 h 11 min
